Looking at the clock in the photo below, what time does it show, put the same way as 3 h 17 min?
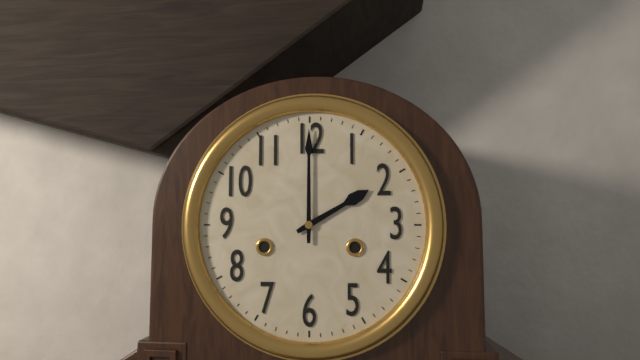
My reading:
2 h 00 min
